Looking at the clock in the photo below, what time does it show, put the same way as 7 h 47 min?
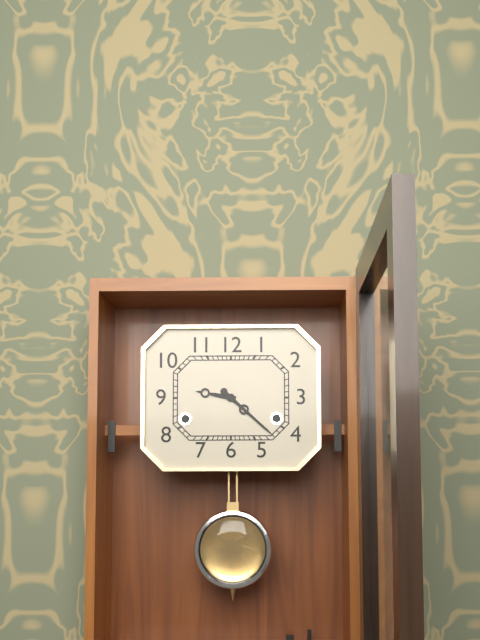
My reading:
9 h 22 min
